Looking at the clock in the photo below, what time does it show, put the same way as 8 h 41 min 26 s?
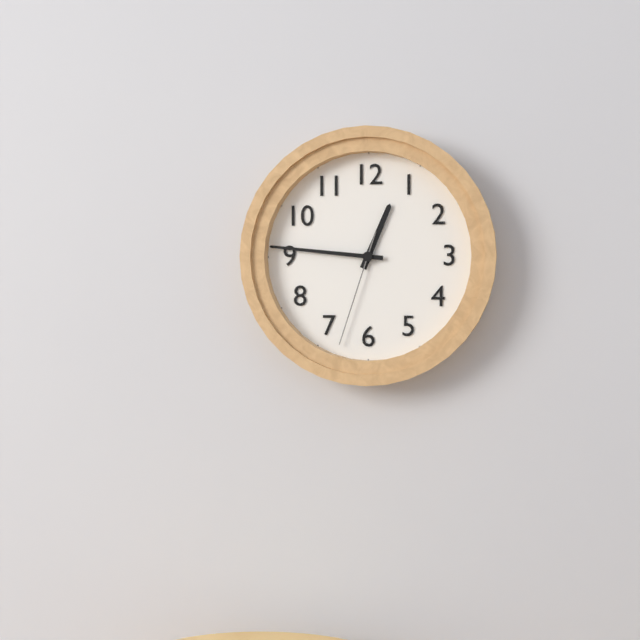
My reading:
12 h 46 min 33 s
